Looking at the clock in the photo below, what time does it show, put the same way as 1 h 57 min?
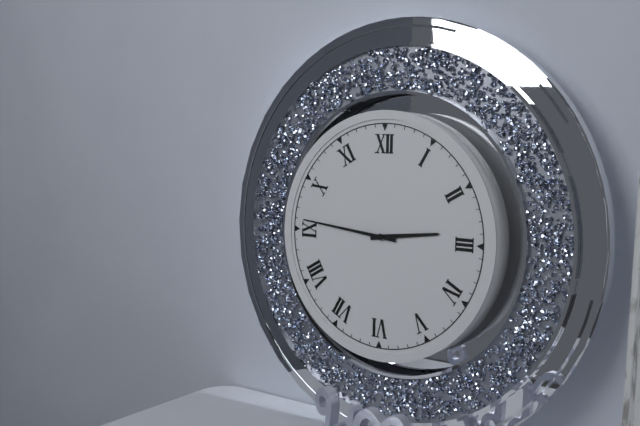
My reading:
2 h 46 min
